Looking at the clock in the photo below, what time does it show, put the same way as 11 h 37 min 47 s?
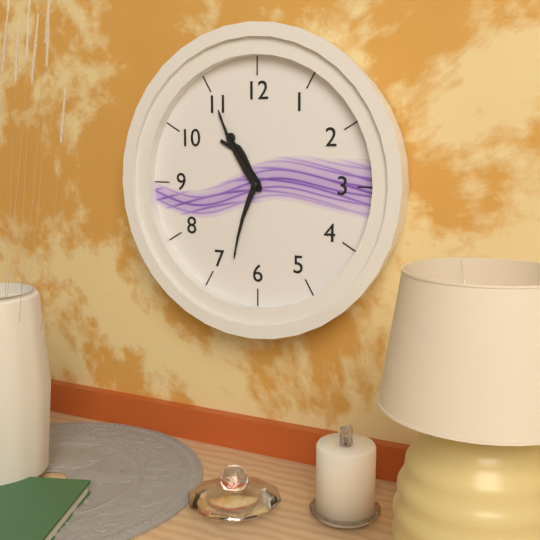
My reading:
10 h 55 min 33 s
